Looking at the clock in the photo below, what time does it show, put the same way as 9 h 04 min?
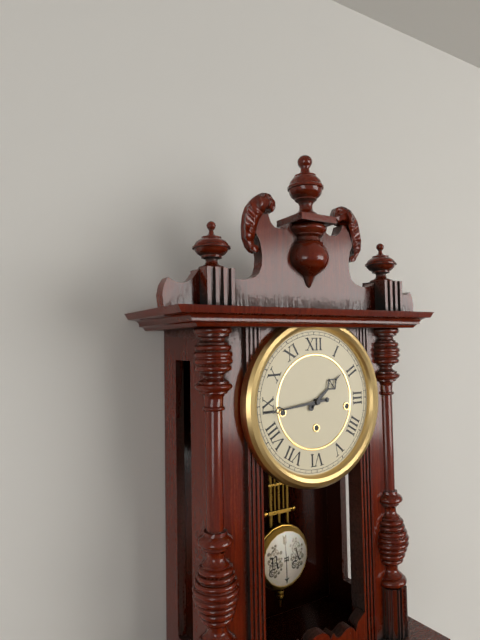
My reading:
1 h 44 min
